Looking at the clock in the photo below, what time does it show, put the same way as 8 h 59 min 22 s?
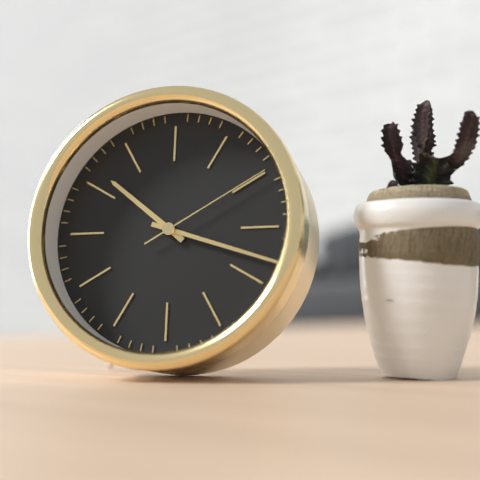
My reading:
10 h 18 min 10 s
